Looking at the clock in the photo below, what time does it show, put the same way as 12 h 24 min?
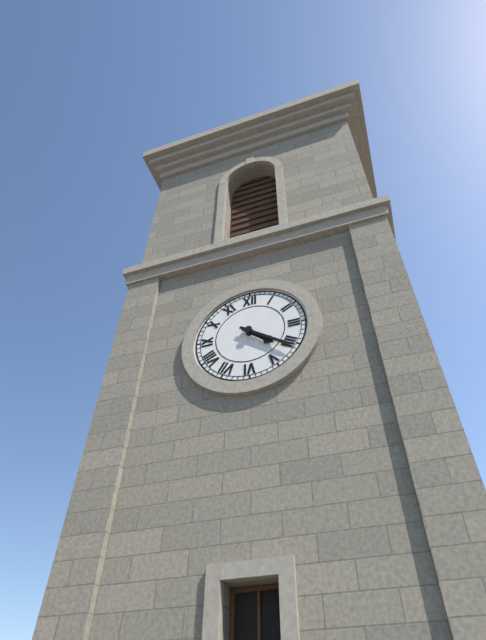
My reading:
4 h 21 min
